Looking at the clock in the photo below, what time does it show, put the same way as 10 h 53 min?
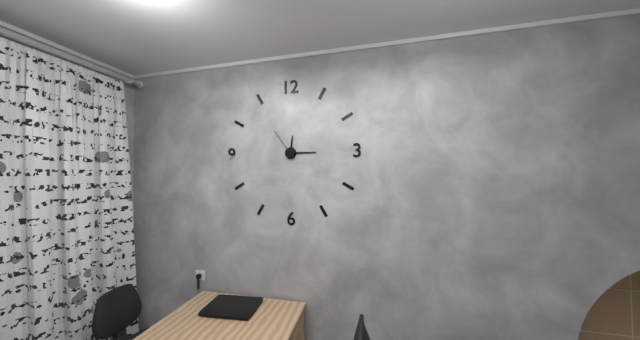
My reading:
12 h 15 min
